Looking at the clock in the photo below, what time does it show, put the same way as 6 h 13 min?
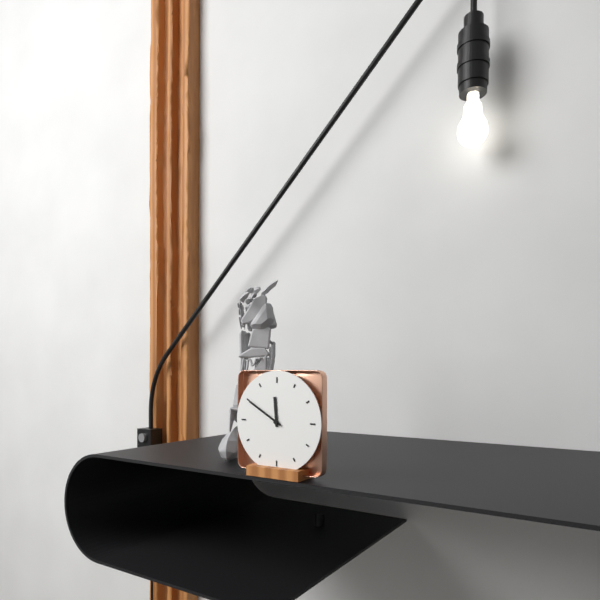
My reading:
11 h 50 min
